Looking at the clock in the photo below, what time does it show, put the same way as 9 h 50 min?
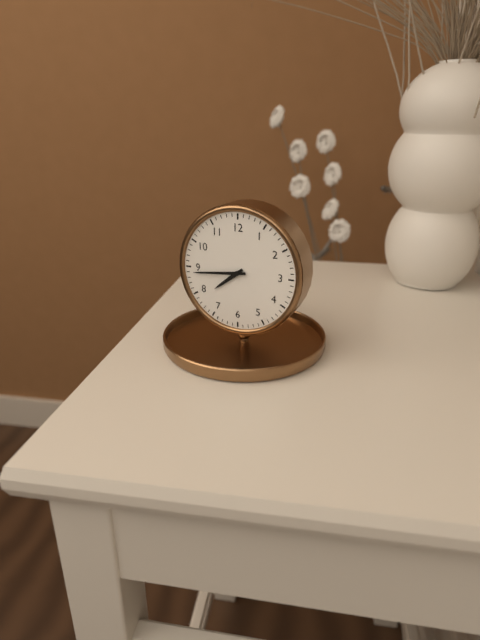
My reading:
7 h 44 min
